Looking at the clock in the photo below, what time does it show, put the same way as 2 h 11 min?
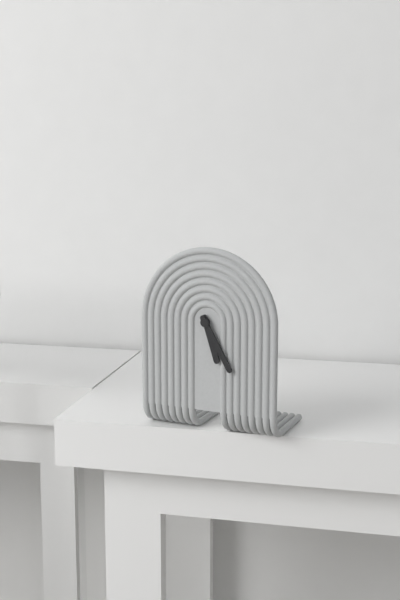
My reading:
5 h 25 min
